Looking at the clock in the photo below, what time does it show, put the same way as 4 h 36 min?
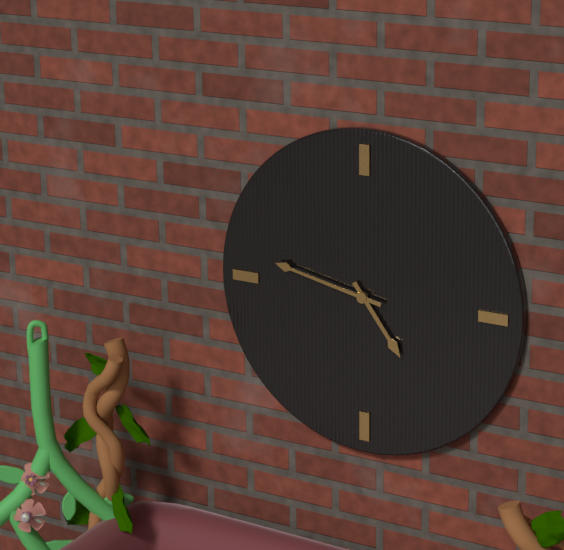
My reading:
4 h 47 min
